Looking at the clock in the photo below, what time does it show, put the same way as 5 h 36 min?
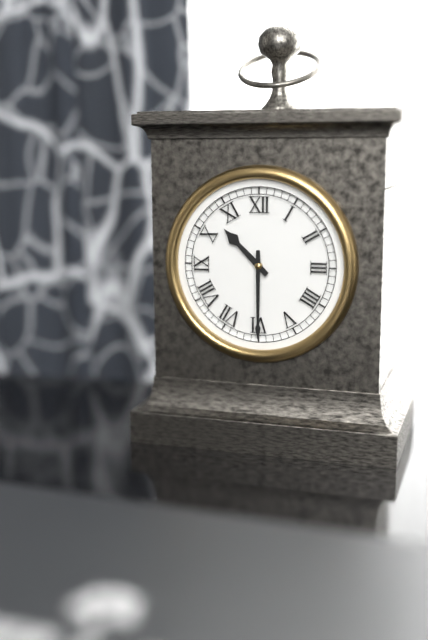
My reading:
10 h 30 min
